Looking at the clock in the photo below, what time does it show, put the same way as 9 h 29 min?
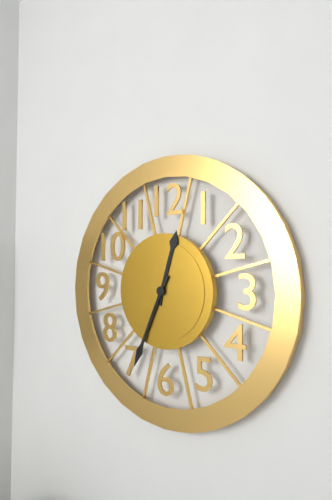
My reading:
12 h 34 min
